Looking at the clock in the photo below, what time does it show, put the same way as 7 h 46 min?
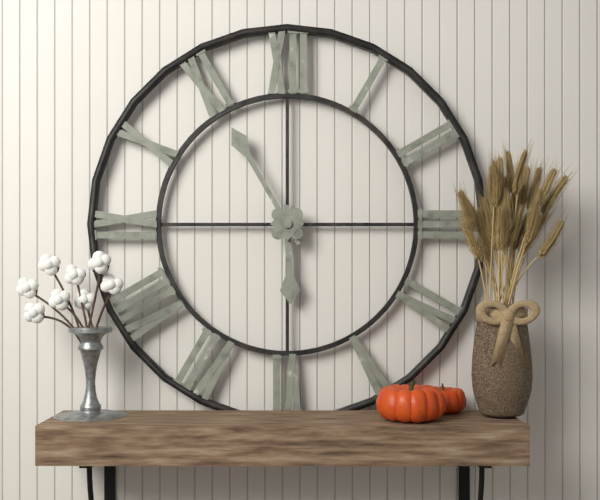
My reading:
5 h 55 min
